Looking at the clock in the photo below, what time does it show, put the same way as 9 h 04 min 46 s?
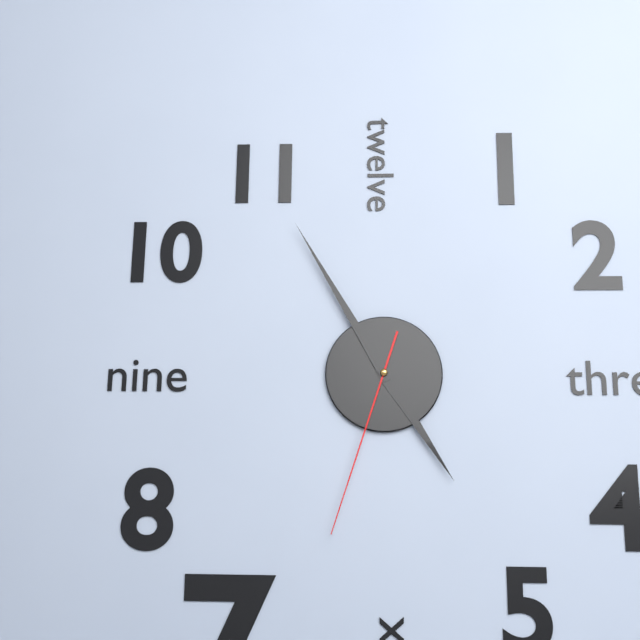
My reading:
4 h 55 min 33 s
